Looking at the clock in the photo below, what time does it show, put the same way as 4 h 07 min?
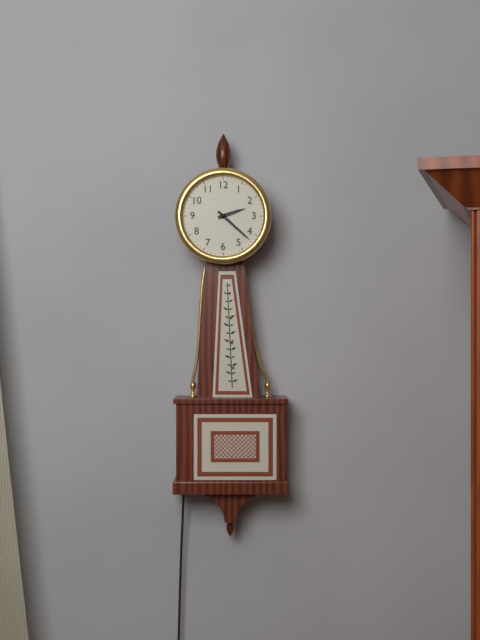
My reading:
2 h 22 min
